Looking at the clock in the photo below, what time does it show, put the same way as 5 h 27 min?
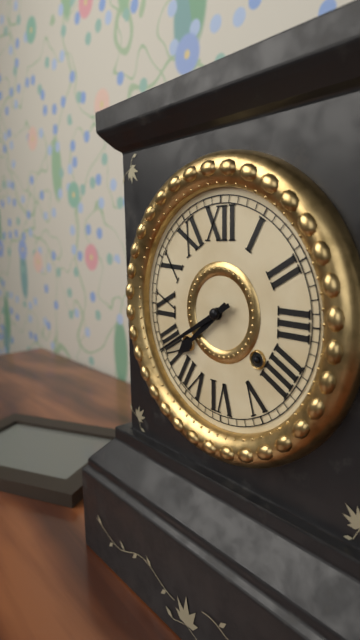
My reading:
7 h 40 min
